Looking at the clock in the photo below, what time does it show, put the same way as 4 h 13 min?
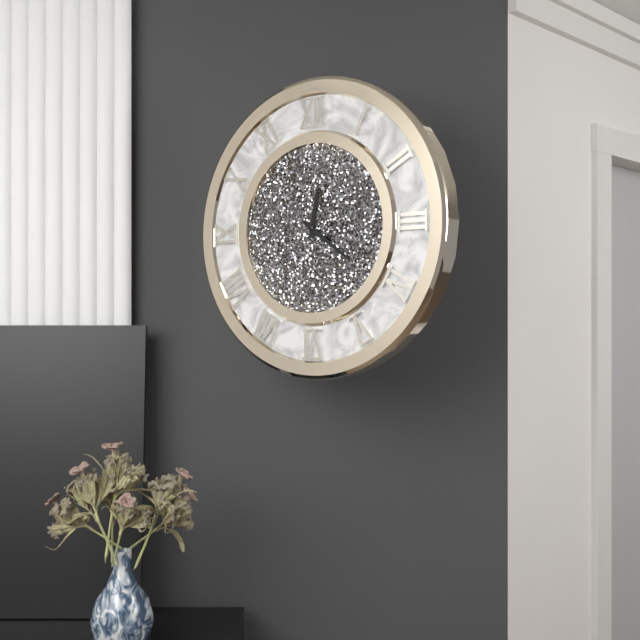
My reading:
12 h 21 min
